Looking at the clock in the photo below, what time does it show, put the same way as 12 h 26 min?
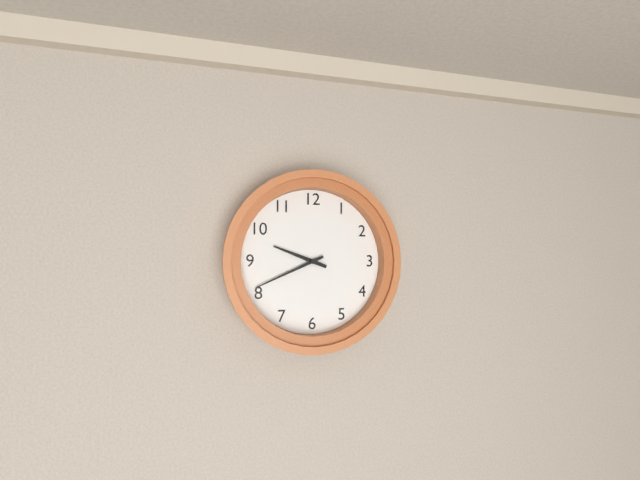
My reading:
9 h 41 min
